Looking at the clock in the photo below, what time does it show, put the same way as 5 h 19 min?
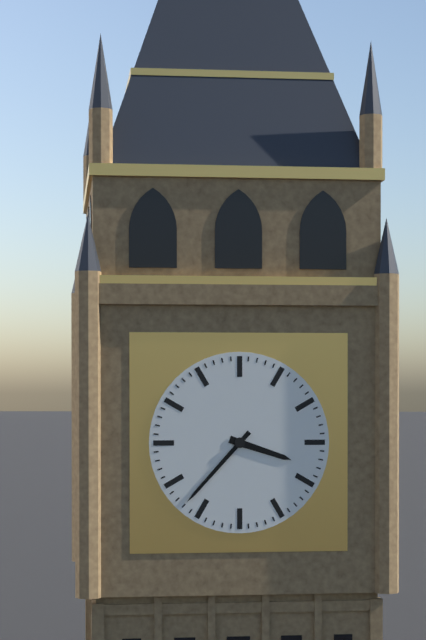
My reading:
3 h 37 min
